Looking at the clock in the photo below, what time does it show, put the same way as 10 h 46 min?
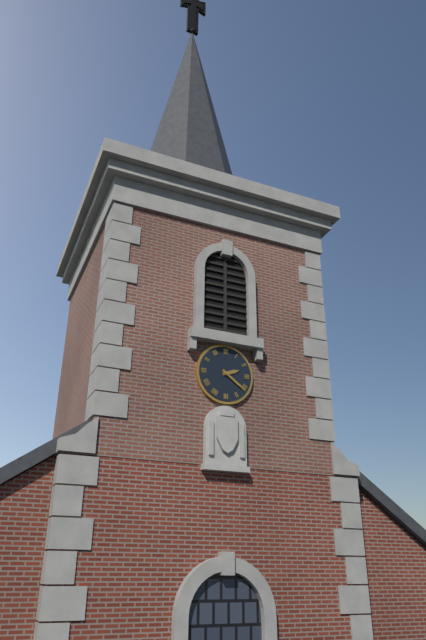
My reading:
2 h 21 min
